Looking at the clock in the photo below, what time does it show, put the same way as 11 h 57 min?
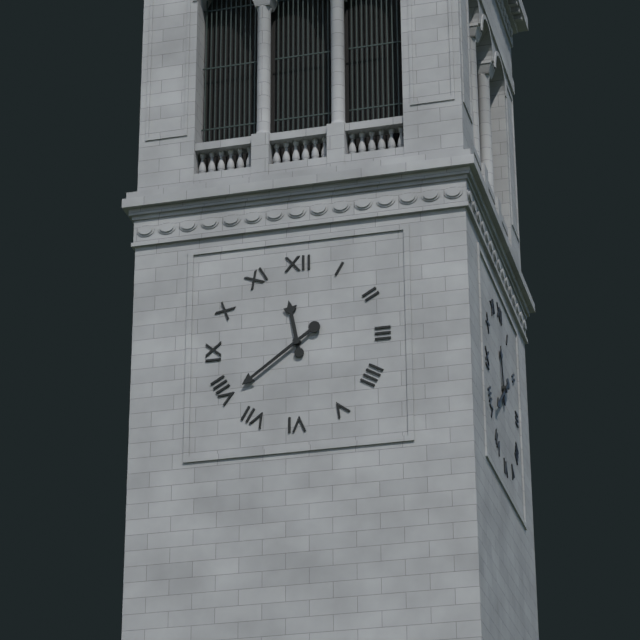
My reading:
11 h 39 min
